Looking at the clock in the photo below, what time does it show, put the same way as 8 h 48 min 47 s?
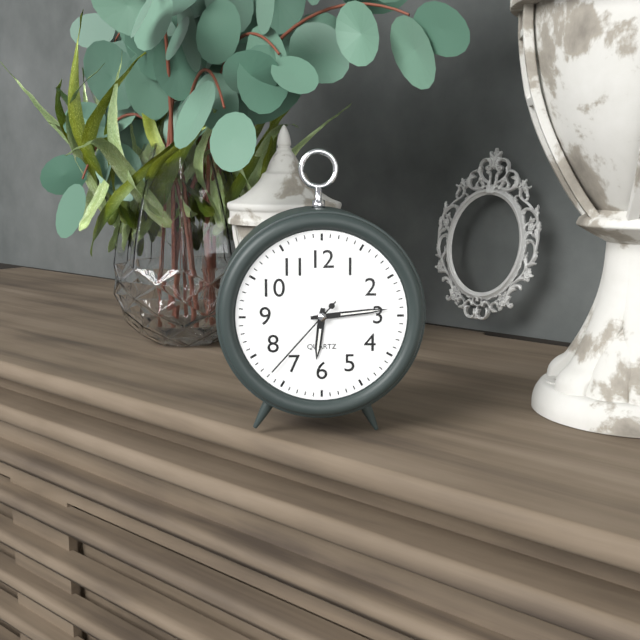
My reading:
6 h 14 min 37 s
